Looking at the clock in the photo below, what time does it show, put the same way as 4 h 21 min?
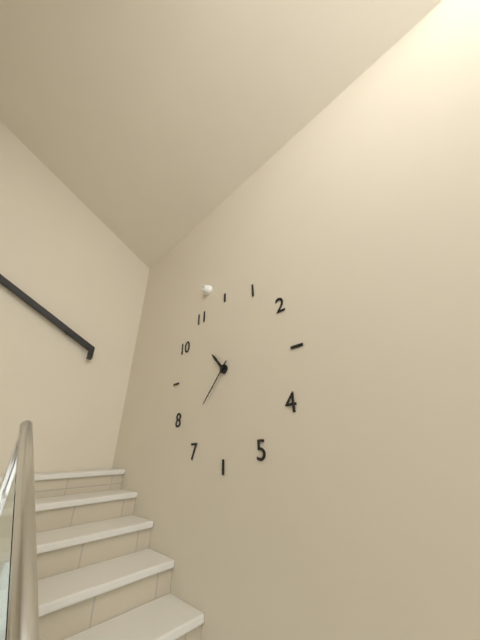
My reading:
10 h 37 min
